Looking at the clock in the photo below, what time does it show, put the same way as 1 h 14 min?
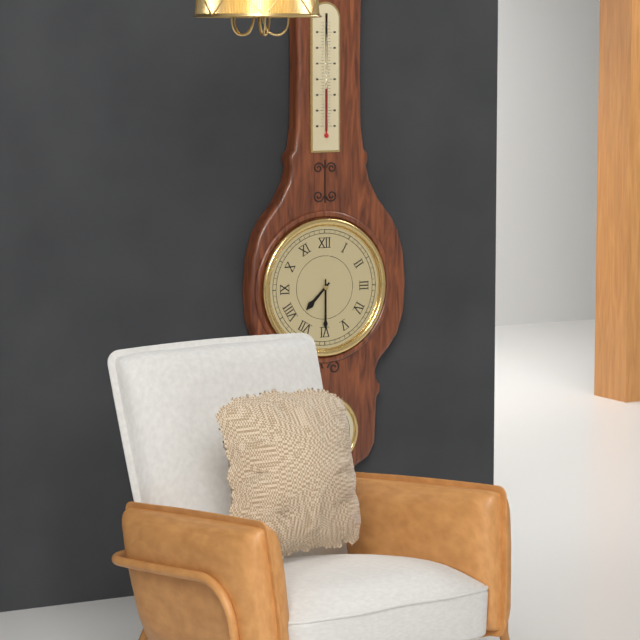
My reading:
7 h 30 min
